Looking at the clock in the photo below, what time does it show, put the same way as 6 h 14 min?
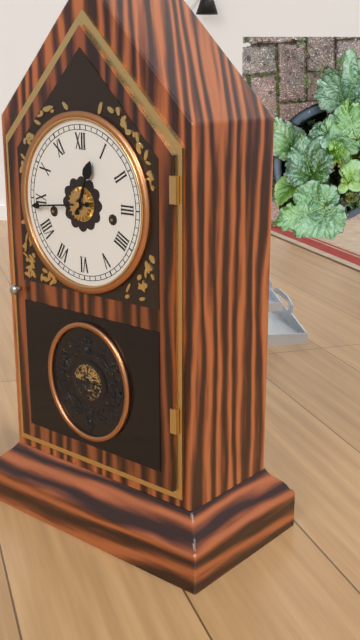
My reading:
12 h 44 min
